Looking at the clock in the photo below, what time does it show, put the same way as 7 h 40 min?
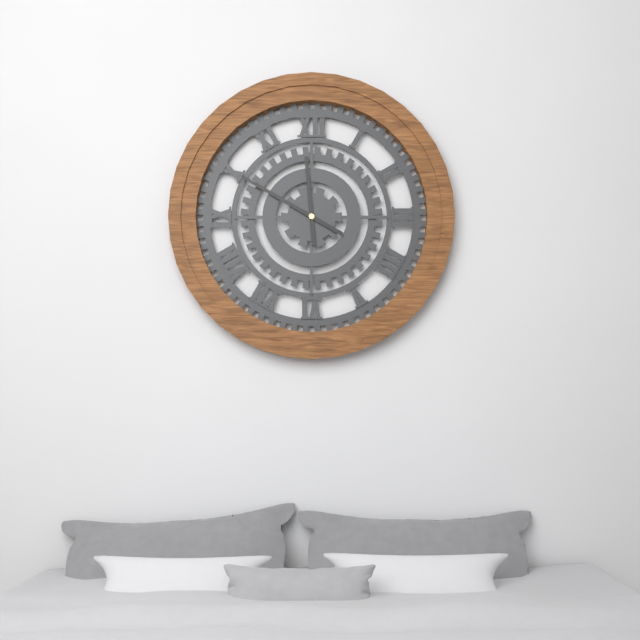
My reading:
11 h 50 min
